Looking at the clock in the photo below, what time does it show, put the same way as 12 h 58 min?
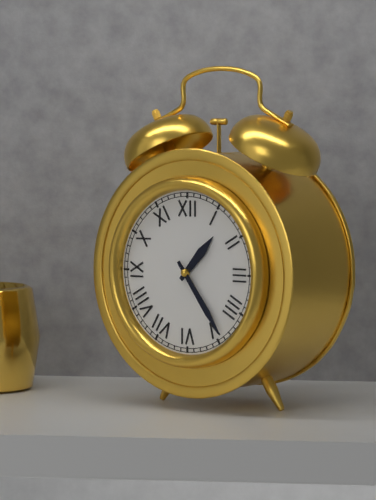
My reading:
1 h 24 min
